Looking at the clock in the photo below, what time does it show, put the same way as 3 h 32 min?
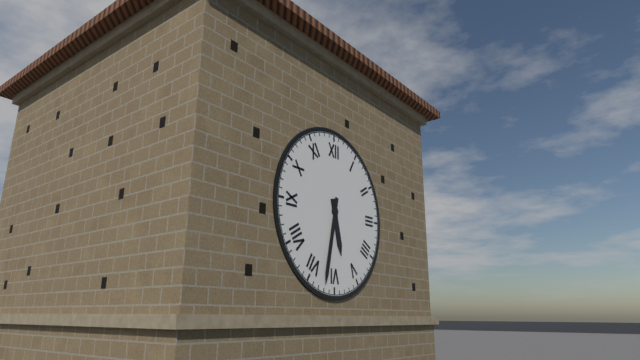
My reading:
5 h 32 min
